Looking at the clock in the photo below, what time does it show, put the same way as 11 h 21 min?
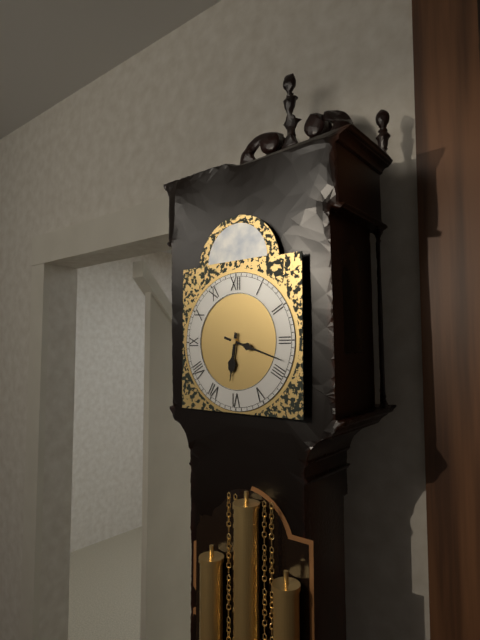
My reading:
6 h 18 min
